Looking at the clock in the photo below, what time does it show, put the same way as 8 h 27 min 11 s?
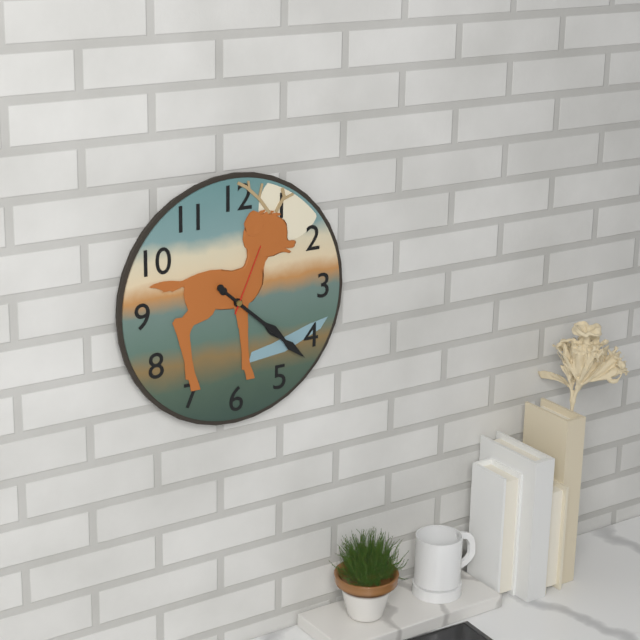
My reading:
4 h 22 min 04 s
